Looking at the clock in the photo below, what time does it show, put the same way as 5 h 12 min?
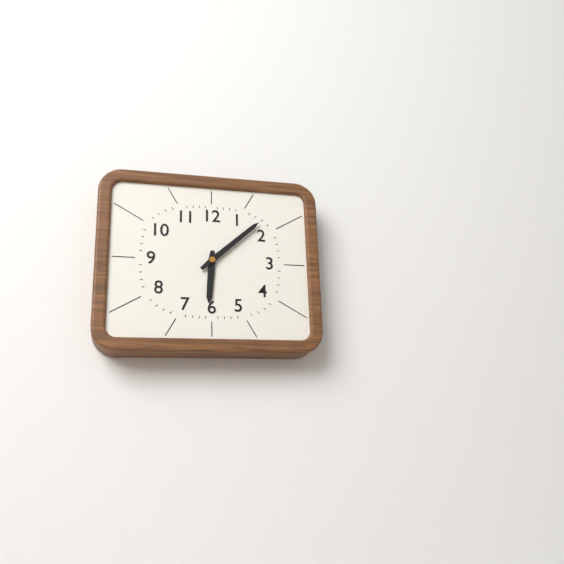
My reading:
6 h 08 min
